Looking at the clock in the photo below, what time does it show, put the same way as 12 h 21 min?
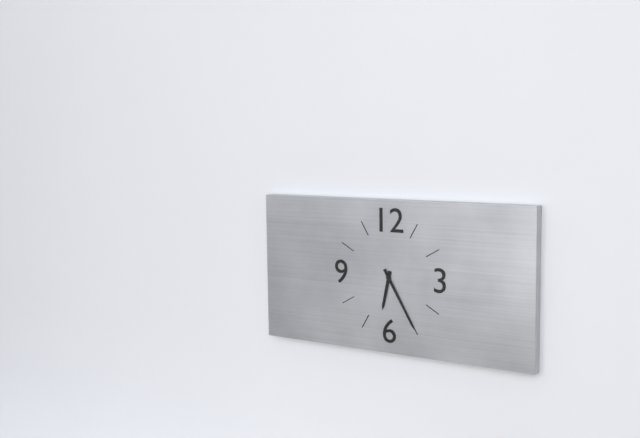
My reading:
6 h 25 min
